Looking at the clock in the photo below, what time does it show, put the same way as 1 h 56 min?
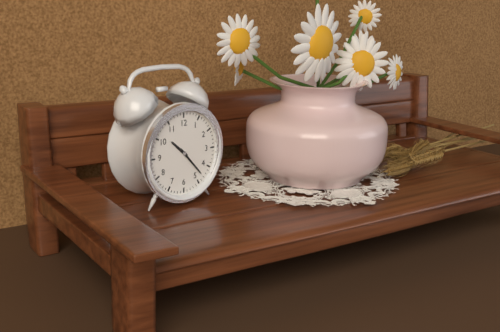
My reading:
10 h 23 min
